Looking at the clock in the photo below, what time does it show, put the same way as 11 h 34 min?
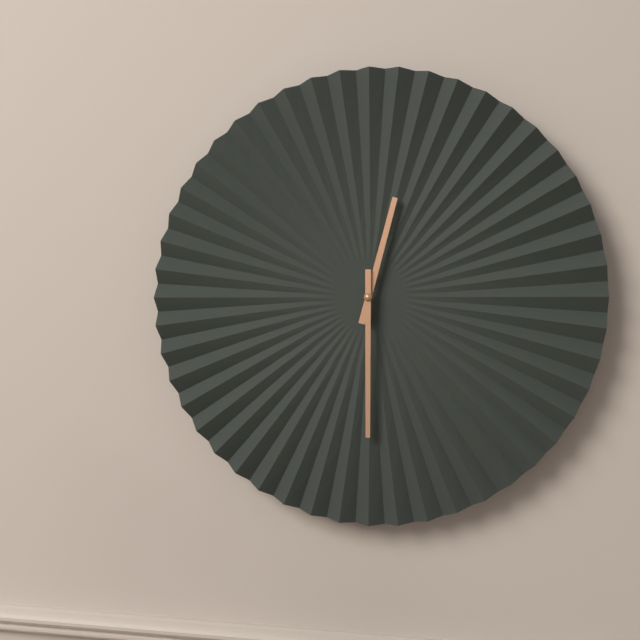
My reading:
12 h 30 min
